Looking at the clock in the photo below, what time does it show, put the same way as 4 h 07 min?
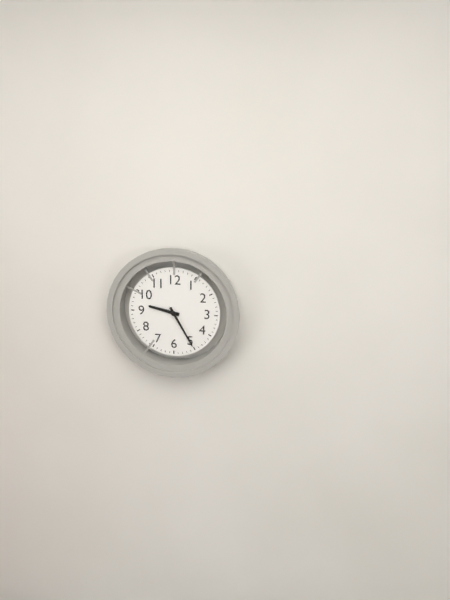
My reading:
9 h 25 min
